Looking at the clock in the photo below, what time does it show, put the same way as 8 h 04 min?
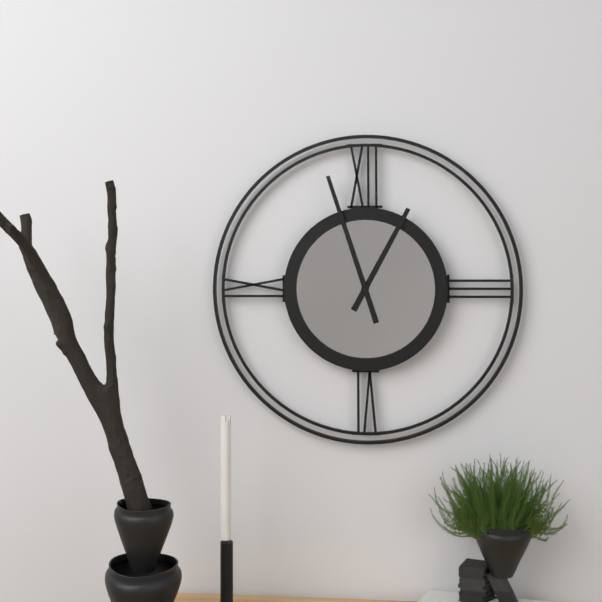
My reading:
12 h 57 min
